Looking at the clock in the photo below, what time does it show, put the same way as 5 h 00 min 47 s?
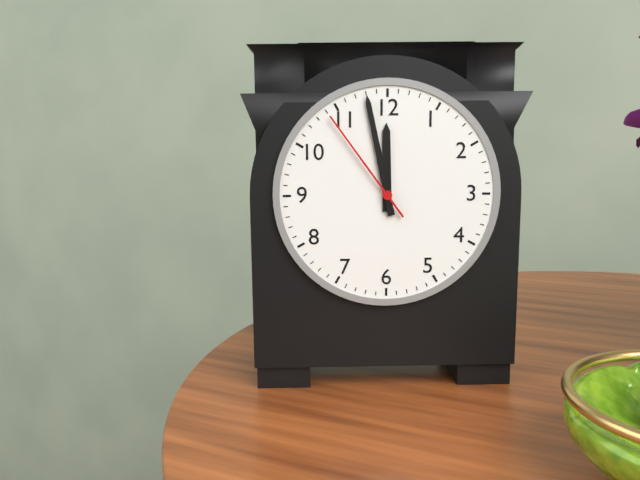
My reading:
11 h 58 min 54 s
